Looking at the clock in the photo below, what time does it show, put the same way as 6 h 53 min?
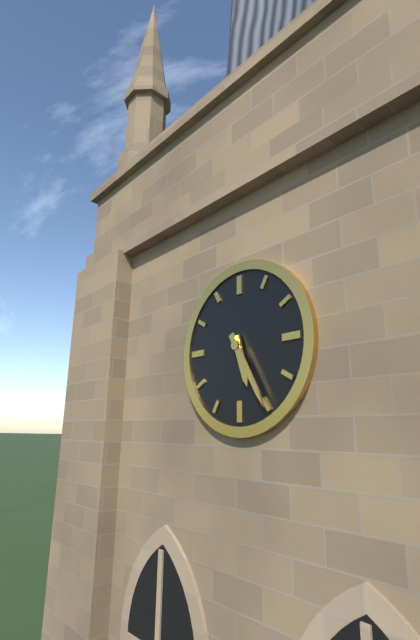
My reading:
5 h 25 min
